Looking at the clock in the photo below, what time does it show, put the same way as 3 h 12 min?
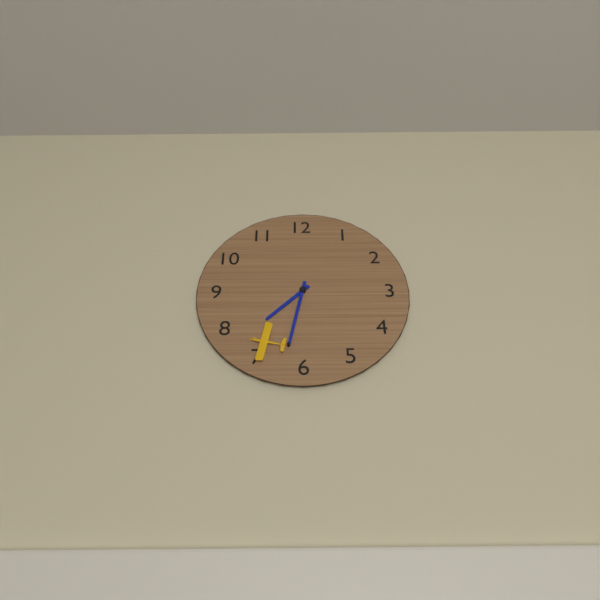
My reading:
7 h 32 min
